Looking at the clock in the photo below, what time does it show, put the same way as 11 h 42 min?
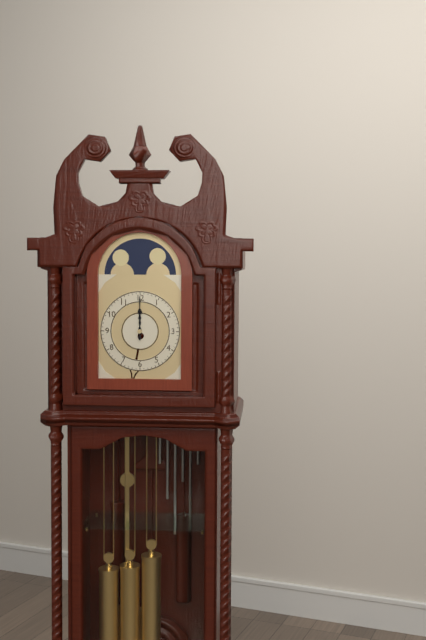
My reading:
12 h 00 min
